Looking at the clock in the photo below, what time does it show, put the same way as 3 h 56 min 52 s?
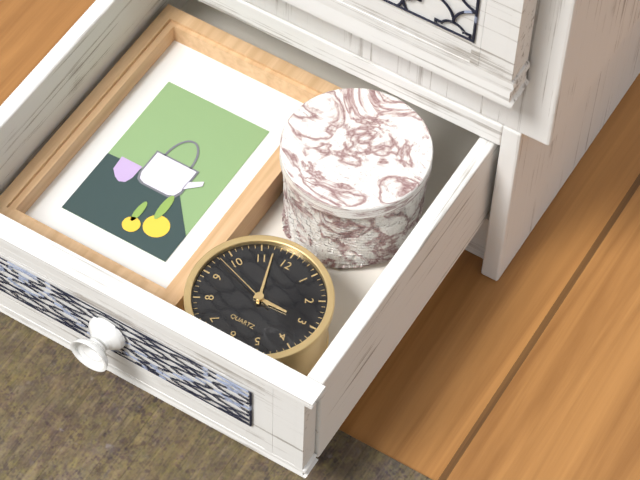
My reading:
2 h 57 min 48 s
